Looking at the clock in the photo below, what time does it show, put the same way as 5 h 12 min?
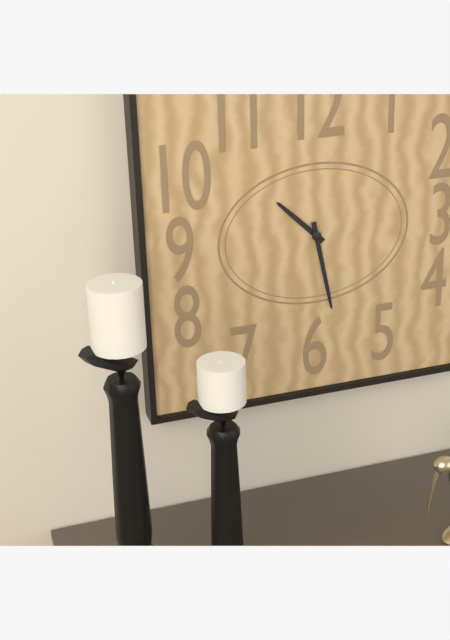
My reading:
10 h 28 min
